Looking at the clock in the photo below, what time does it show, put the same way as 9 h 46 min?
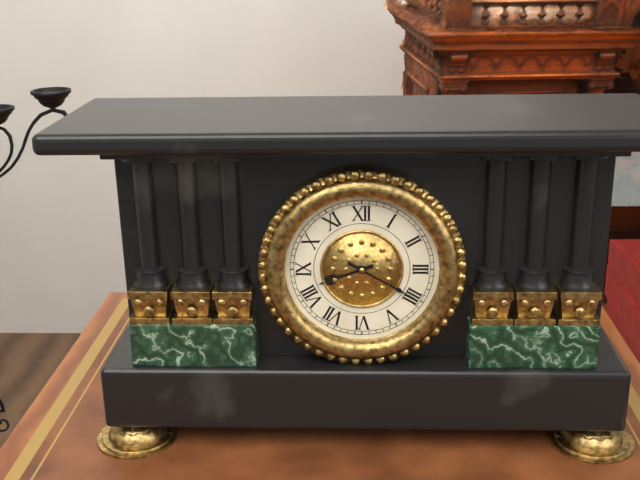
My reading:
8 h 20 min
